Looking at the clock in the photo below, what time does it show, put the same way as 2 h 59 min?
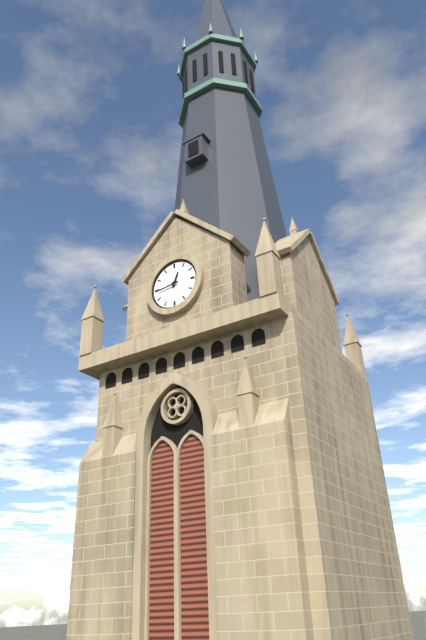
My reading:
12 h 44 min
